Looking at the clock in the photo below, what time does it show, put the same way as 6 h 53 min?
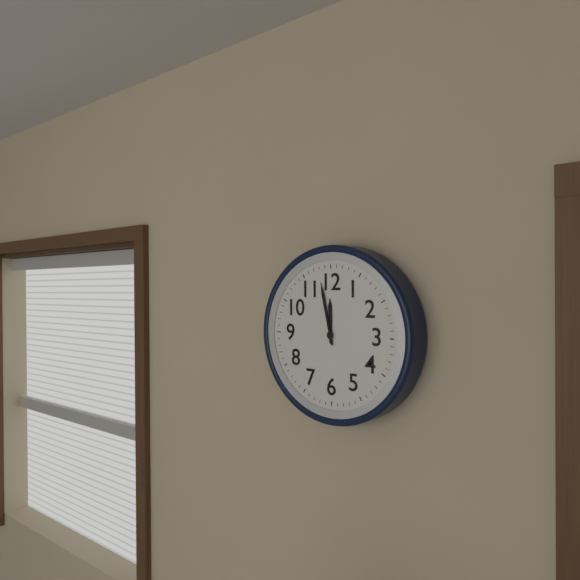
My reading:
11 h 58 min
